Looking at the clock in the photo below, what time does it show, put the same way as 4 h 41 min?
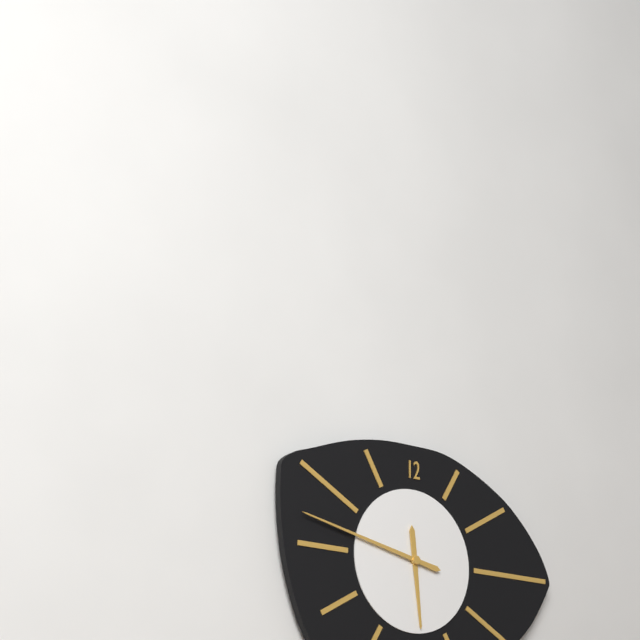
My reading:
5 h 47 min
